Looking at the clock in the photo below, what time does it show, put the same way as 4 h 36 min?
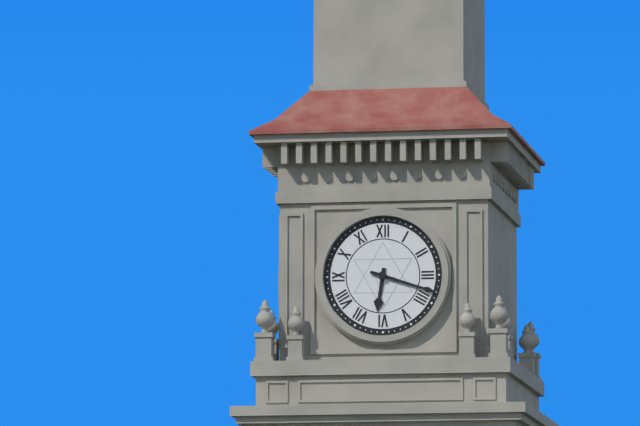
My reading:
6 h 18 min
